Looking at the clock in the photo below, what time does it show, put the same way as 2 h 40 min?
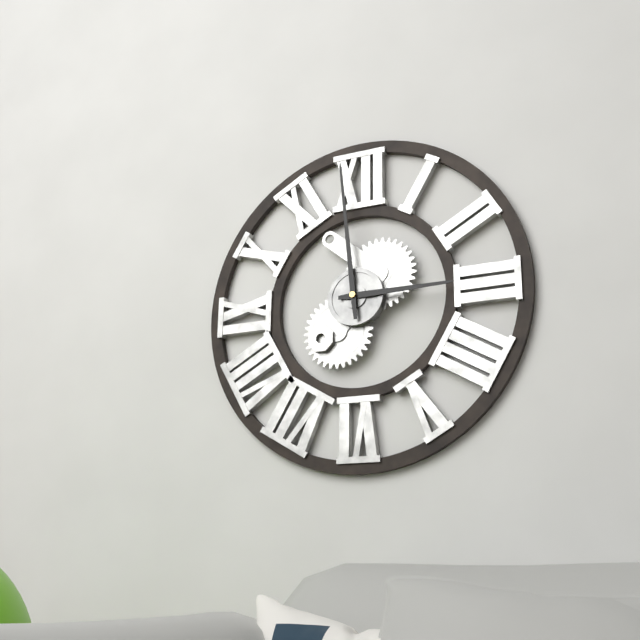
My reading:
2 h 59 min
